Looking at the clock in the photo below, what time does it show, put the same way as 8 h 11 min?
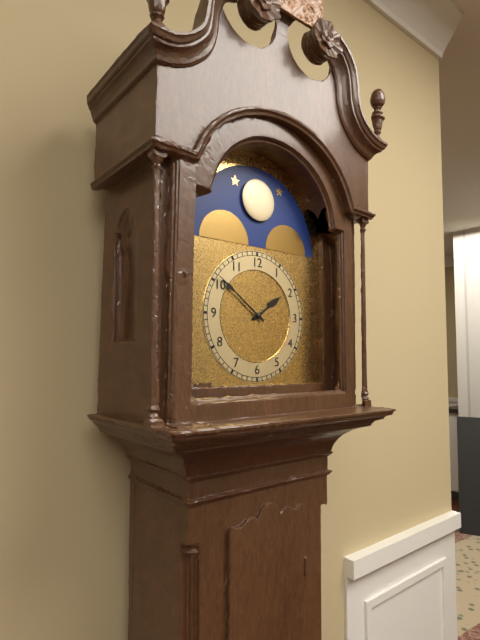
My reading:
1 h 51 min
